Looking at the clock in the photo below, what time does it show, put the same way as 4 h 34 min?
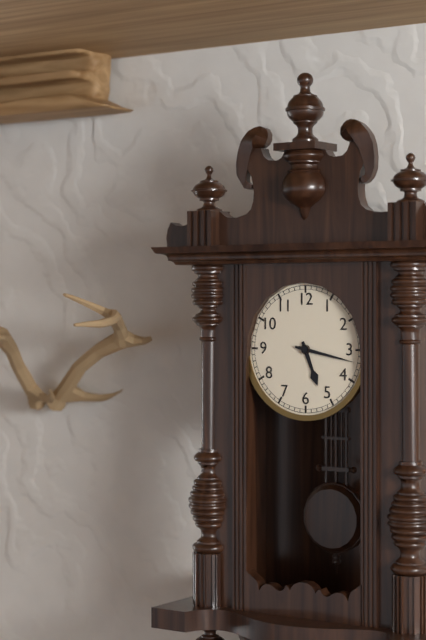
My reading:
5 h 17 min
